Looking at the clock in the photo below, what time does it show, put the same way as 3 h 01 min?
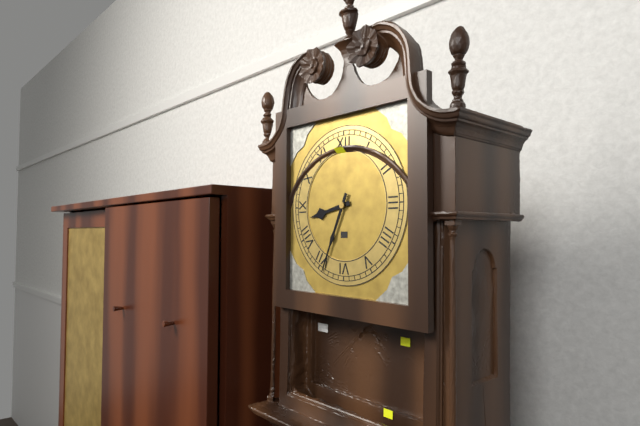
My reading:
8 h 34 min
